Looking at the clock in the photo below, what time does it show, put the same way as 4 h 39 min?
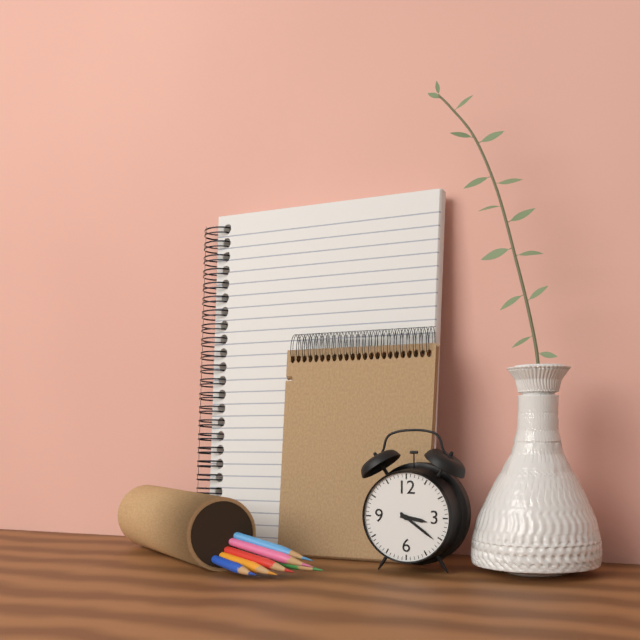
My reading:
3 h 21 min
